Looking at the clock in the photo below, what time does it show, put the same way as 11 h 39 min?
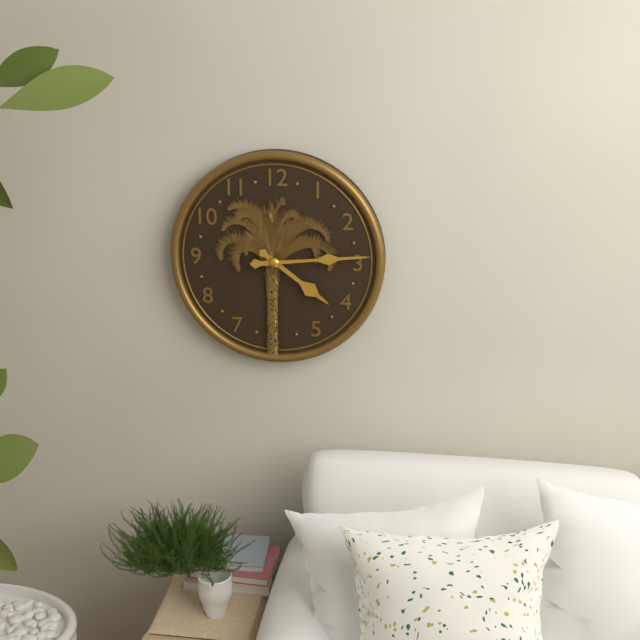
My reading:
4 h 14 min
